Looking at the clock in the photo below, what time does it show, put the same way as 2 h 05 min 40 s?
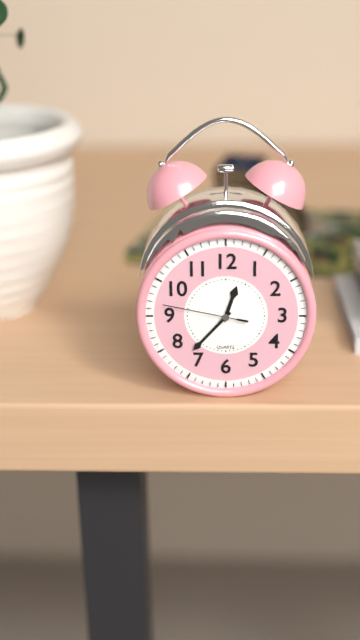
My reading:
12 h 37 min 47 s
